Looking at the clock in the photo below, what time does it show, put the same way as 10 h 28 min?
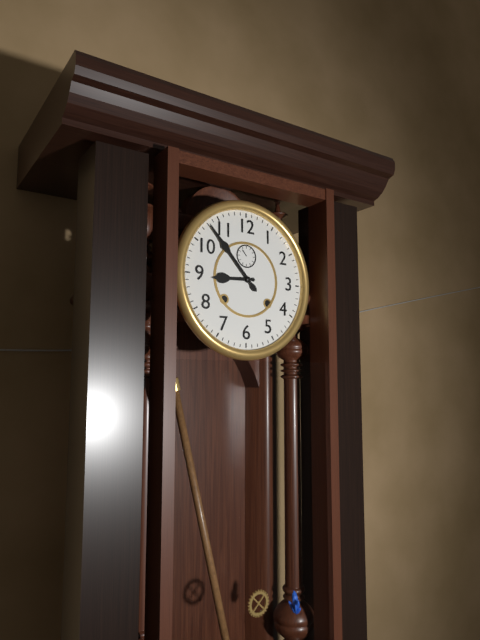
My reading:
8 h 53 min
